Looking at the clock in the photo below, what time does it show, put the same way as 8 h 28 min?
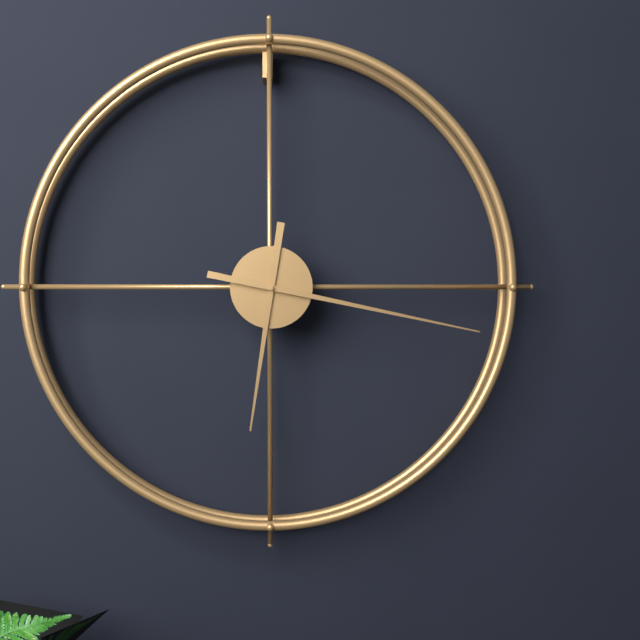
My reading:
6 h 17 min
